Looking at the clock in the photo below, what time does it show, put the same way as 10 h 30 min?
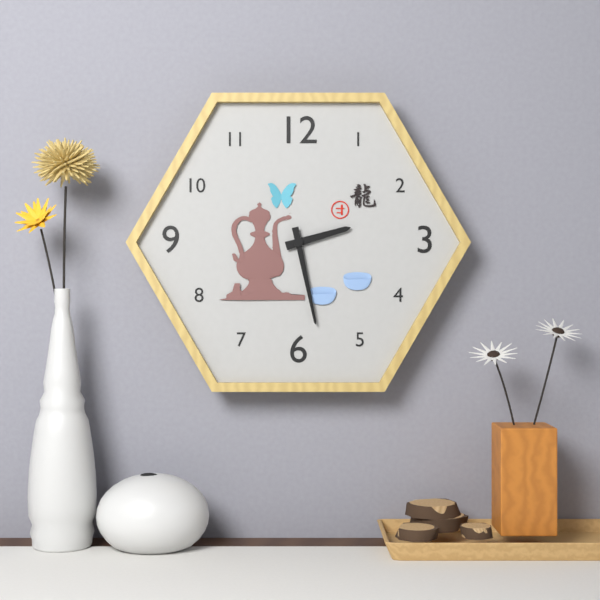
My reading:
2 h 28 min
